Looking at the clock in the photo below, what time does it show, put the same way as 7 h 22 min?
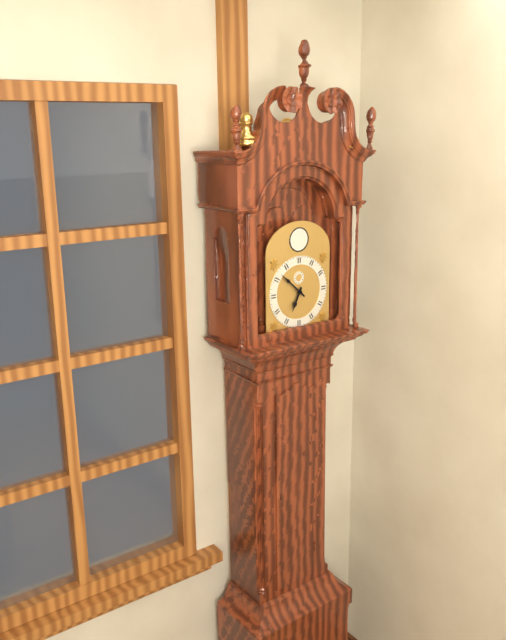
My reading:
6 h 52 min
